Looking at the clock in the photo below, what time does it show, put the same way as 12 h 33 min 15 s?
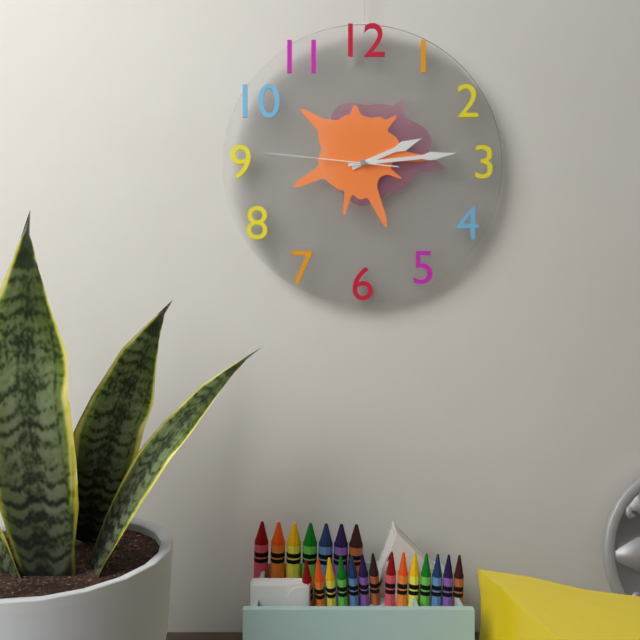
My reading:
2 h 14 min 46 s
